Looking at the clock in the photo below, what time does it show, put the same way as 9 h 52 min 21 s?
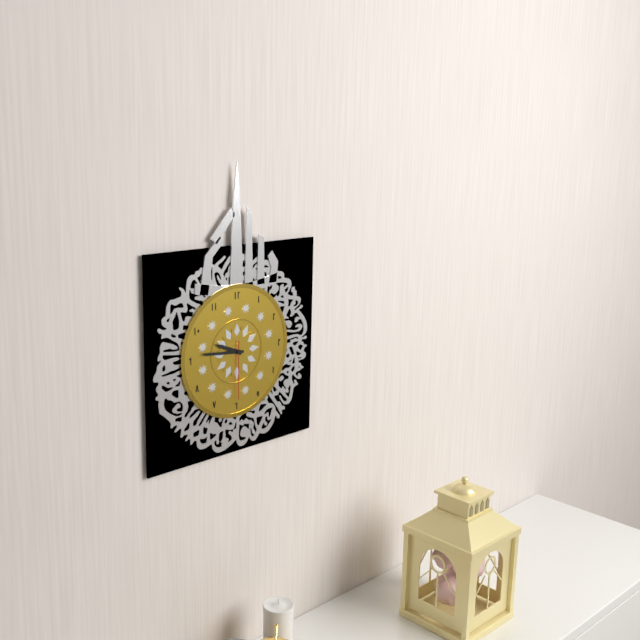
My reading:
9 h 46 min 30 s
